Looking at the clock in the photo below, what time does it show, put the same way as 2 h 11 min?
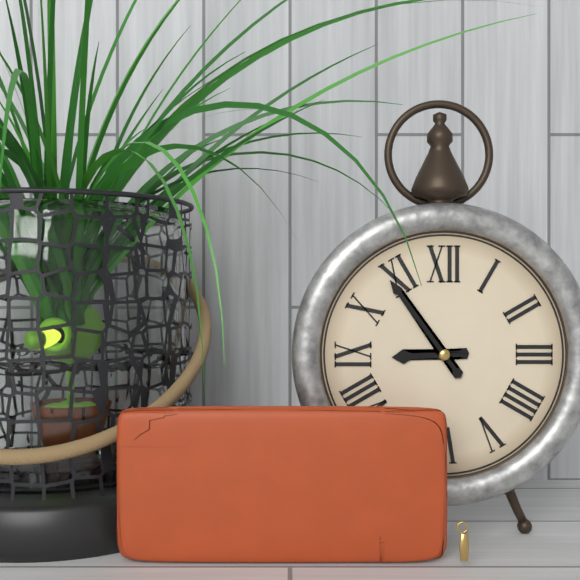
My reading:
8 h 54 min
